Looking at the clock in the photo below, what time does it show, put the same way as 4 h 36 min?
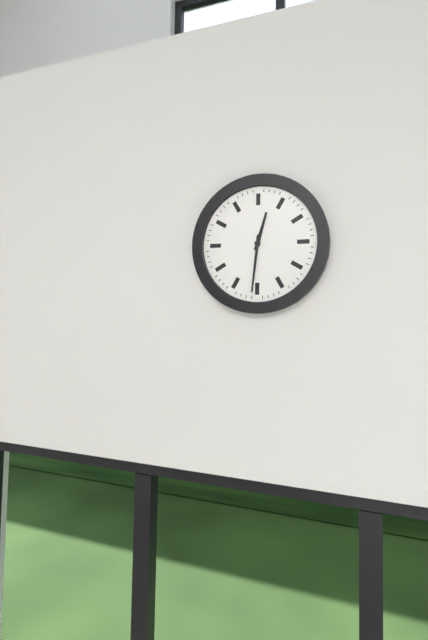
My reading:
12 h 31 min
